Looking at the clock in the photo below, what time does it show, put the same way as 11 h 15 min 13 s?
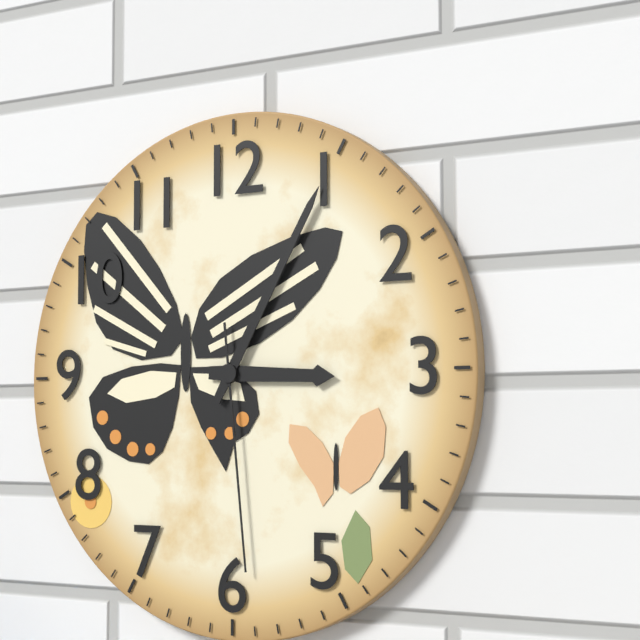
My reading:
3 h 05 min 29 s
